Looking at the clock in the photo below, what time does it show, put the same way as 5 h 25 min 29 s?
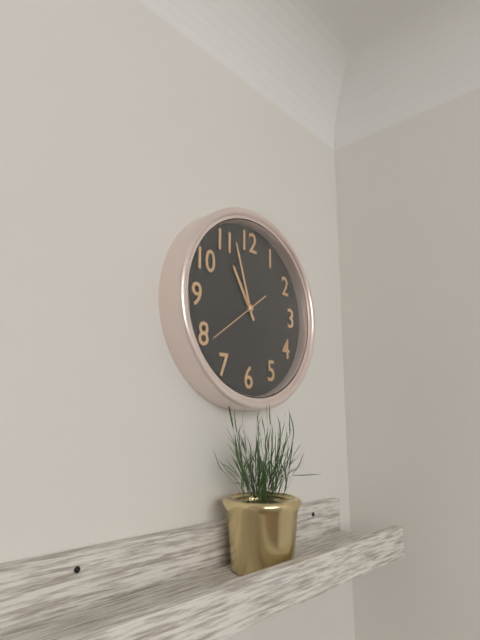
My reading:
10 h 57 min 39 s
